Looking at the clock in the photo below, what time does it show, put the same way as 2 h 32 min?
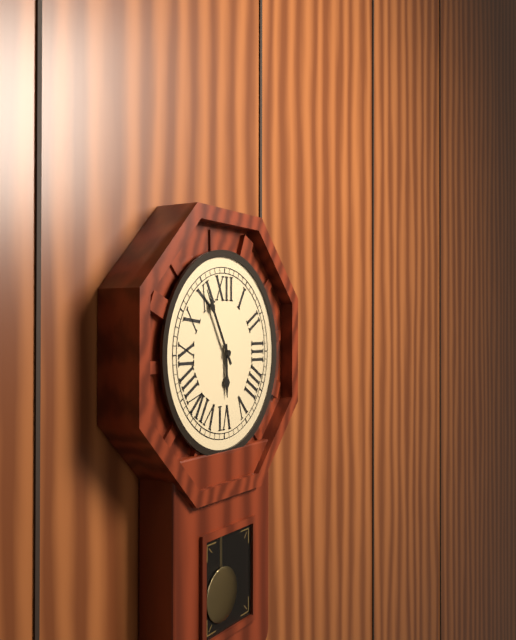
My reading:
5 h 55 min
